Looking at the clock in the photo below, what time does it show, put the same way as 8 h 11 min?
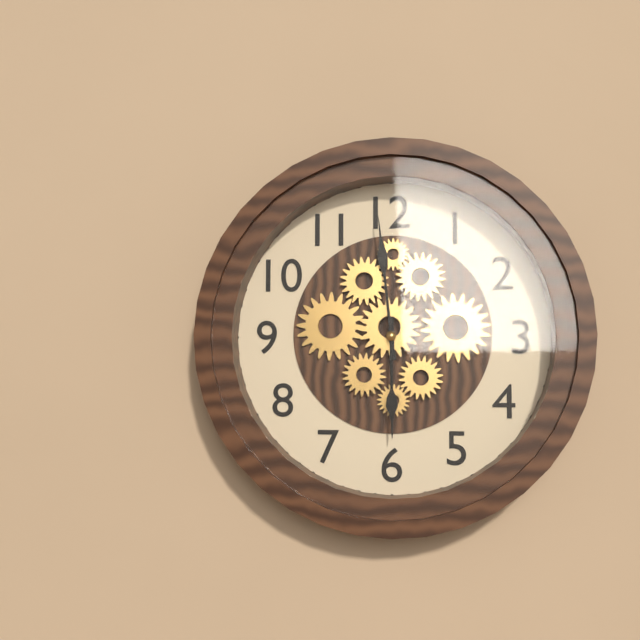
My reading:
5 h 59 min
